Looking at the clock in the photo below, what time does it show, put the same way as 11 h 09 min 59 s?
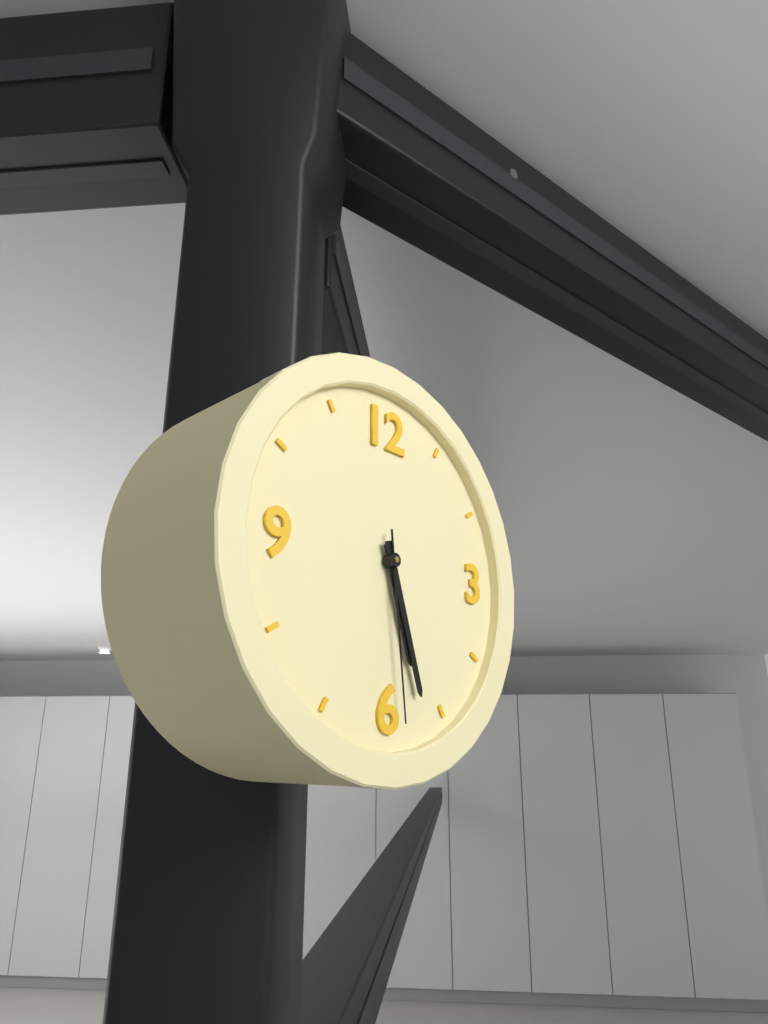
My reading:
5 h 27 min 29 s
